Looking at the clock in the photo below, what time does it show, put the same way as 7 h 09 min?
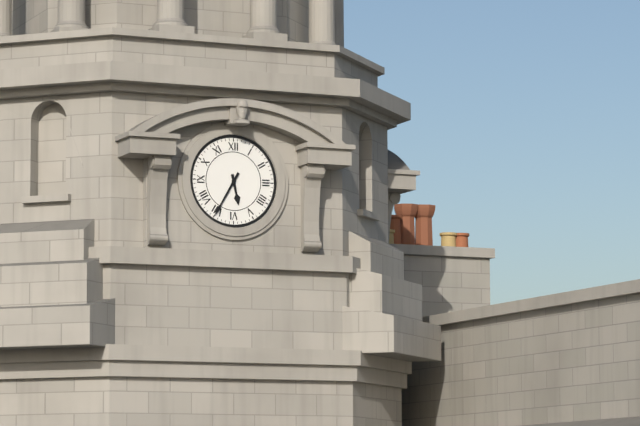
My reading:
5 h 35 min
